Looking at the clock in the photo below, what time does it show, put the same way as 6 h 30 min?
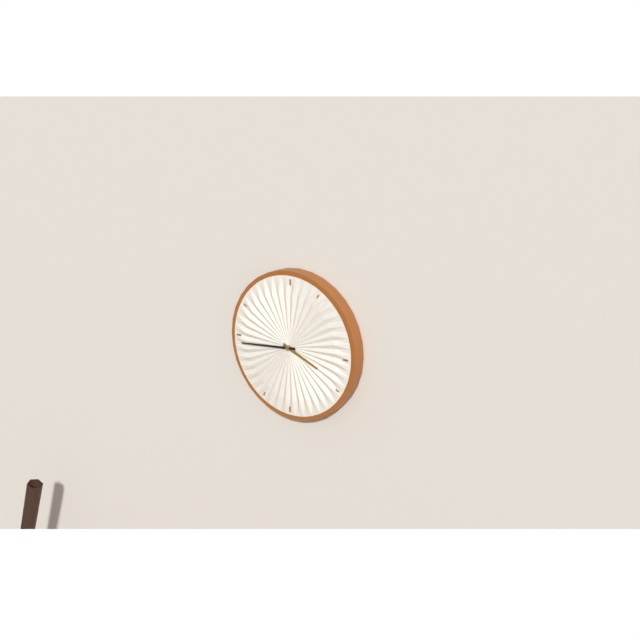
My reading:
3 h 44 min
